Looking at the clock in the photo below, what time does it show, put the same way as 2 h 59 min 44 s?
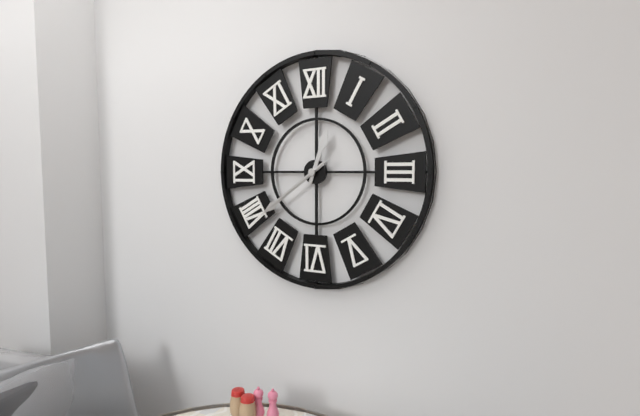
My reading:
12 h 39 min 39 s
